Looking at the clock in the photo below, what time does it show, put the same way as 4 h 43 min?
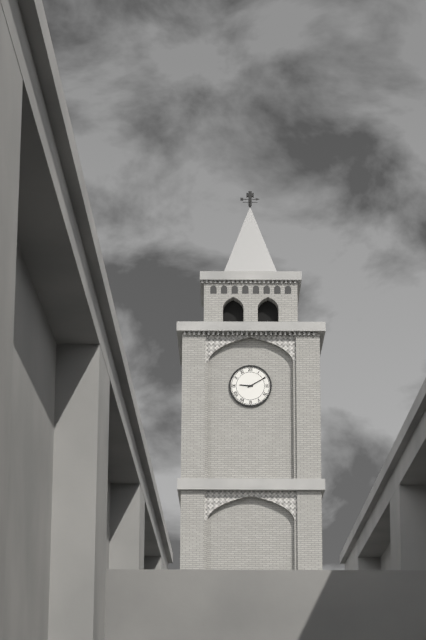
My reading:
9 h 10 min
